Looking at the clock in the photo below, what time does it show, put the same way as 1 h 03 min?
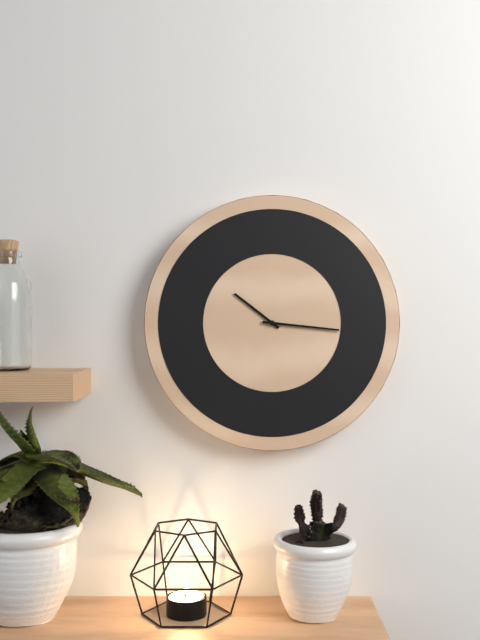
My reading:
10 h 16 min
